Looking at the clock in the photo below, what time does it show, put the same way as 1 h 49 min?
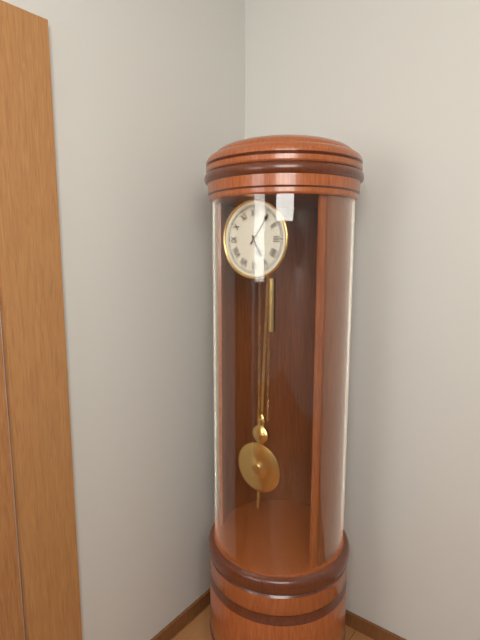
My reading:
5 h 06 min
